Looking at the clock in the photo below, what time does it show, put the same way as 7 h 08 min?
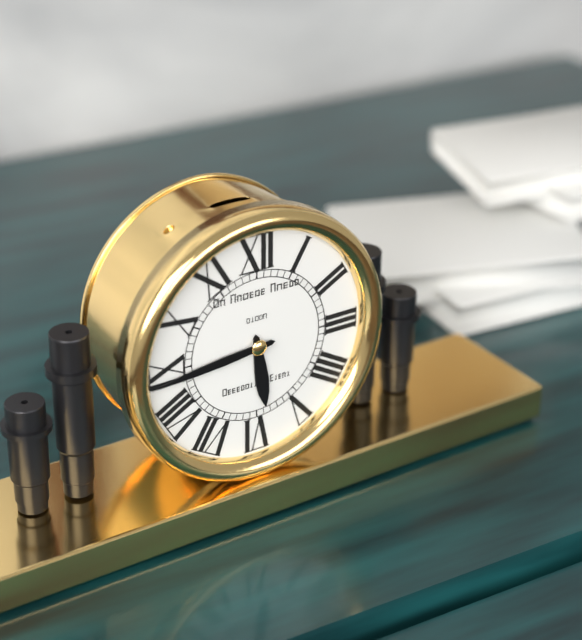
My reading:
5 h 44 min
